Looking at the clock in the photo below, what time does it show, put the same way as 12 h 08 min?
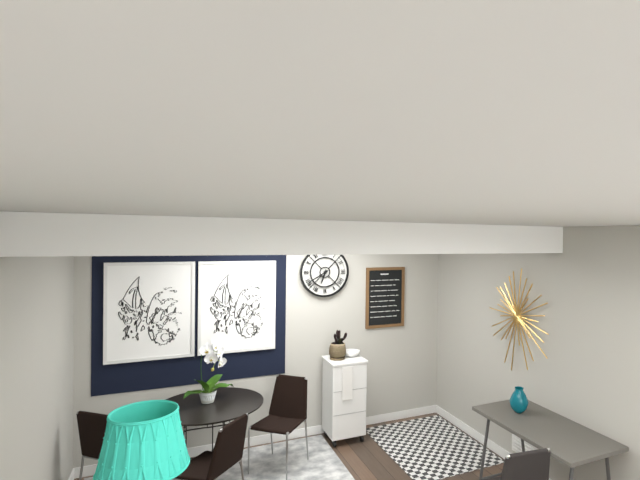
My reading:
6 h 40 min
